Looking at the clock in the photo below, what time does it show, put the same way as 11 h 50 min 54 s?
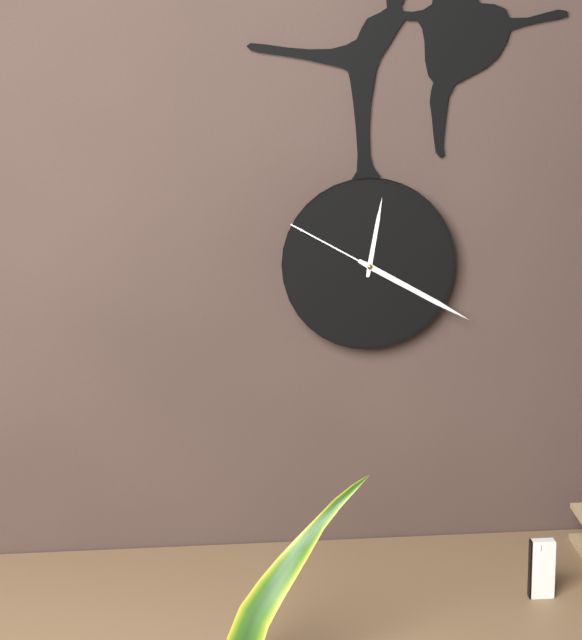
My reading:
12 h 20 min 50 s
